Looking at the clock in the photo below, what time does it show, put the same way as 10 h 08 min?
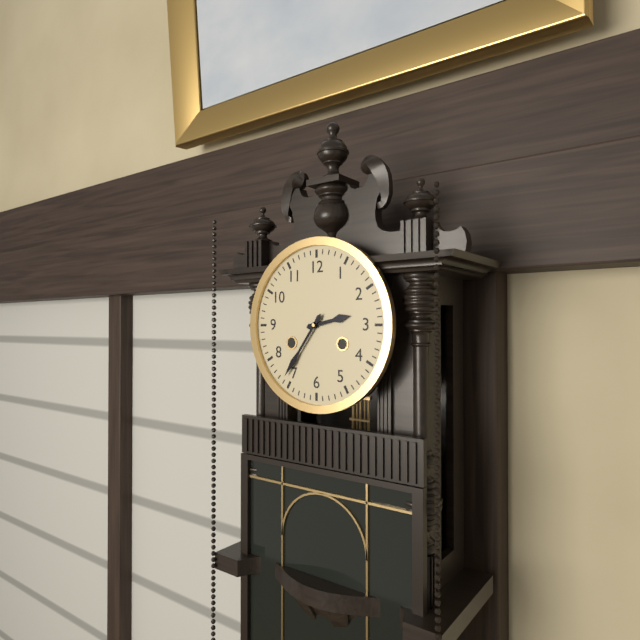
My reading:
2 h 36 min
